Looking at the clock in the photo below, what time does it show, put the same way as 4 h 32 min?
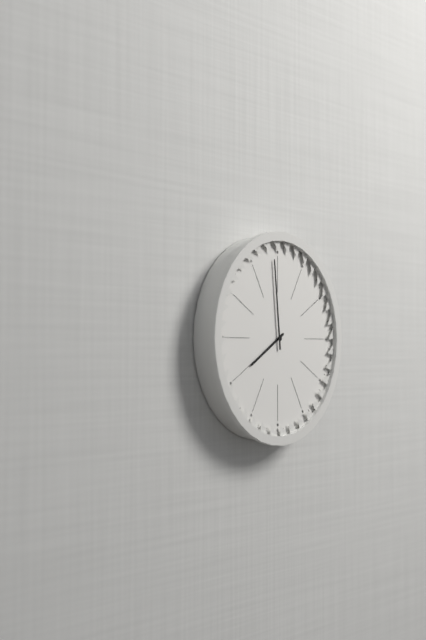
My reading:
7 h 59 min
